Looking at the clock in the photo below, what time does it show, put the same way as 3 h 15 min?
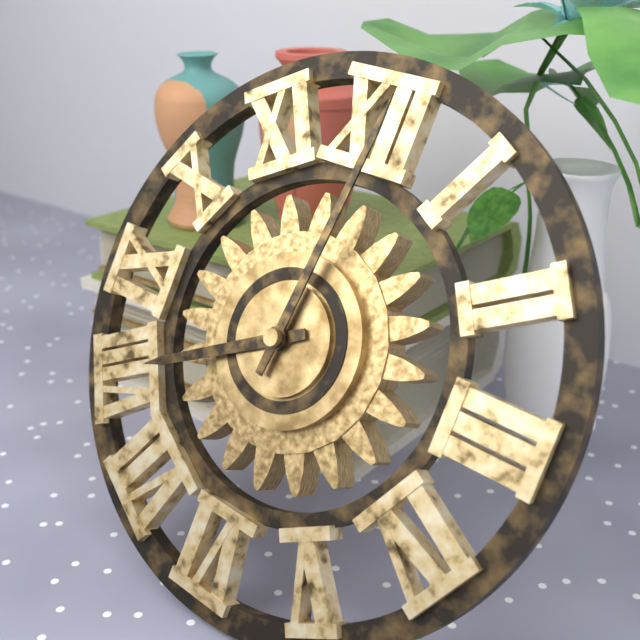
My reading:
8 h 01 min
